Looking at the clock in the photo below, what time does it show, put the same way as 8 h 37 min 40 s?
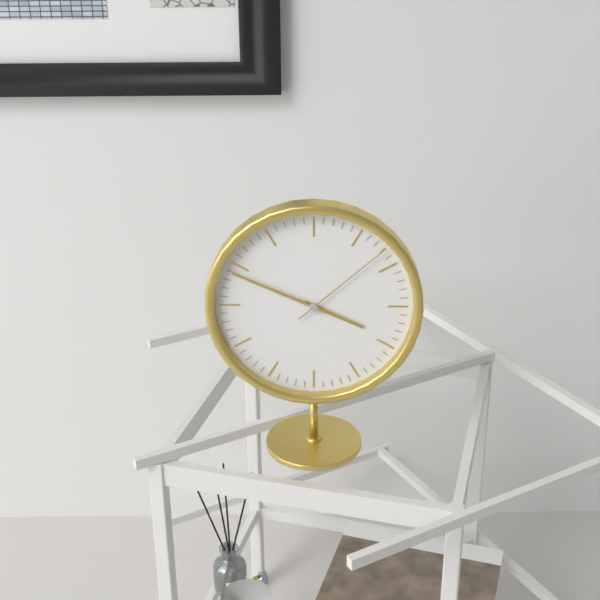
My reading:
3 h 49 min 08 s
